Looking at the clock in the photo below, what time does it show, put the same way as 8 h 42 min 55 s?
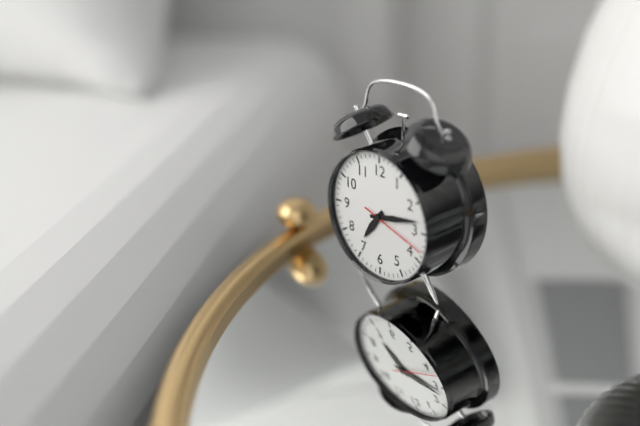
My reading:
7 h 13 min 18 s
